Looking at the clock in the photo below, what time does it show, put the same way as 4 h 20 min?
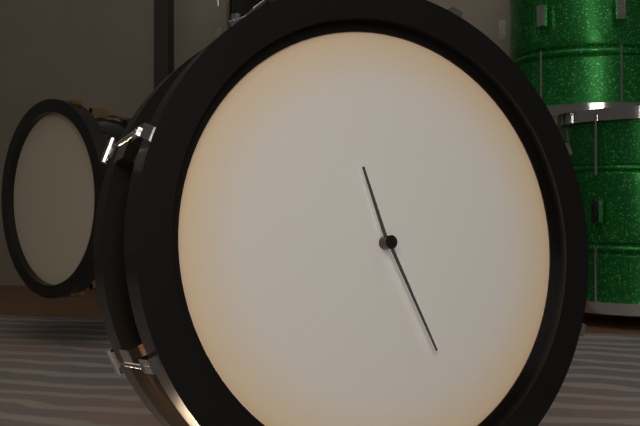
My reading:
11 h 26 min
